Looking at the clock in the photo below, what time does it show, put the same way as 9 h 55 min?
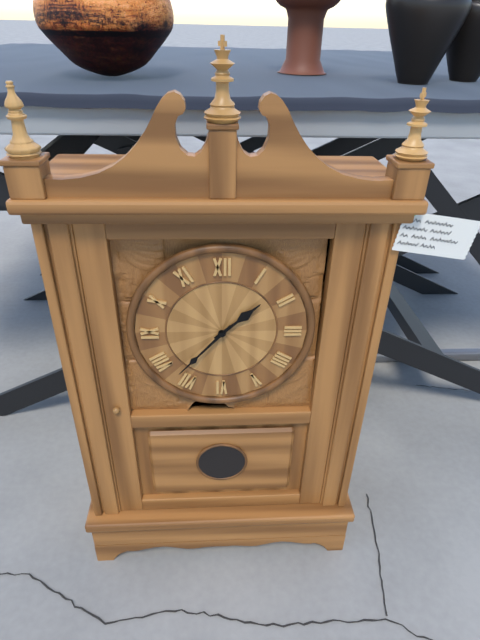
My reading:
1 h 37 min
